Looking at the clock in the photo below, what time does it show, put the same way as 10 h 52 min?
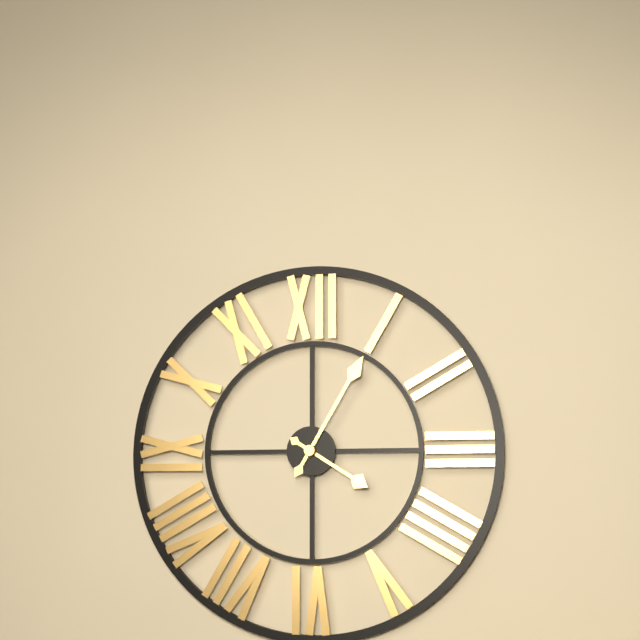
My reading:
4 h 05 min
